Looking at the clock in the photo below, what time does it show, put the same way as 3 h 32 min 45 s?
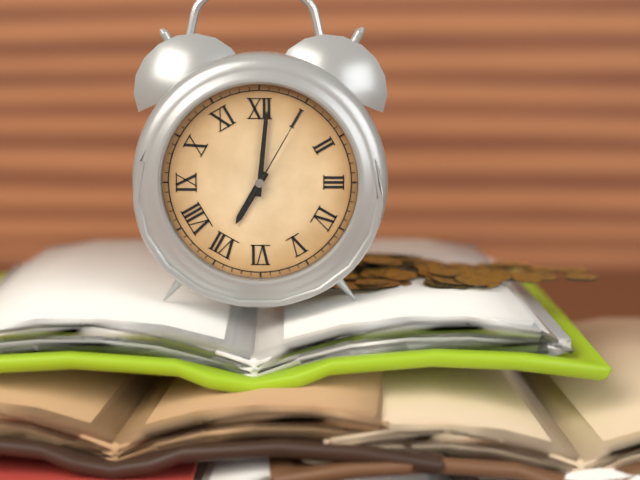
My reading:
7 h 01 min 05 s
